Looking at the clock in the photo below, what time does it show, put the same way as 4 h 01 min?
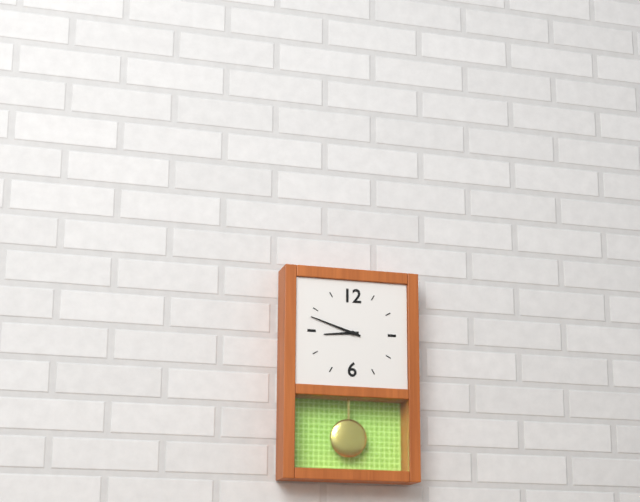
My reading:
8 h 48 min
